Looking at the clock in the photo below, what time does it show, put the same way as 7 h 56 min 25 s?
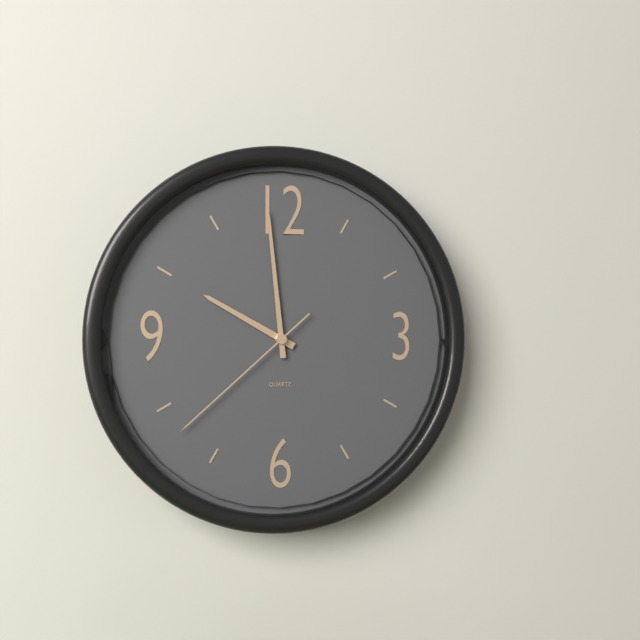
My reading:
9 h 59 min 38 s
